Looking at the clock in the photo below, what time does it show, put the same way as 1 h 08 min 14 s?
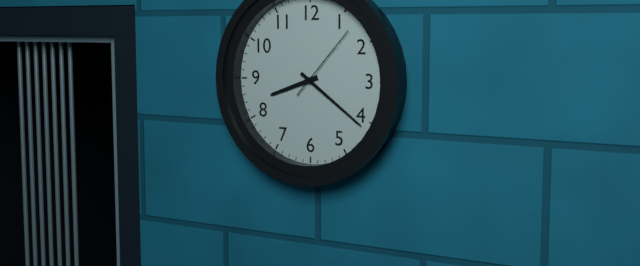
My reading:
8 h 21 min 07 s
